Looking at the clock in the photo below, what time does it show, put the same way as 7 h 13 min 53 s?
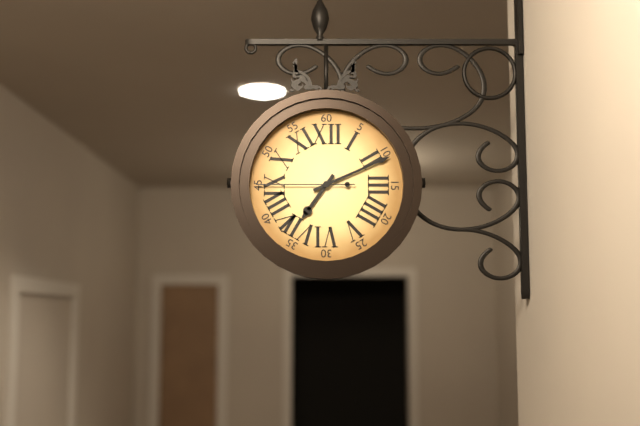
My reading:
7 h 11 min 45 s
